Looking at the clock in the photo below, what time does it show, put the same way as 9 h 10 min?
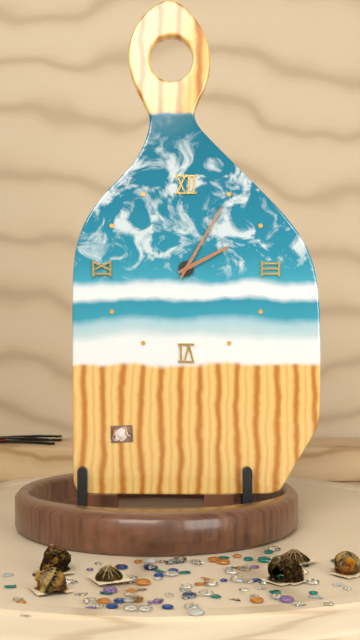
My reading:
2 h 05 min
